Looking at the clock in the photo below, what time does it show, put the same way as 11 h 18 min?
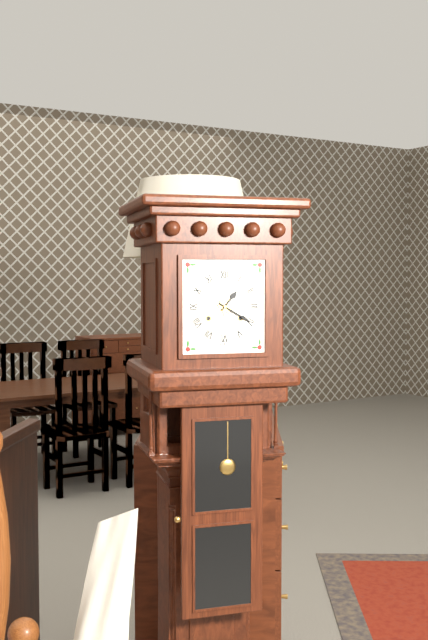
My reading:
1 h 20 min
